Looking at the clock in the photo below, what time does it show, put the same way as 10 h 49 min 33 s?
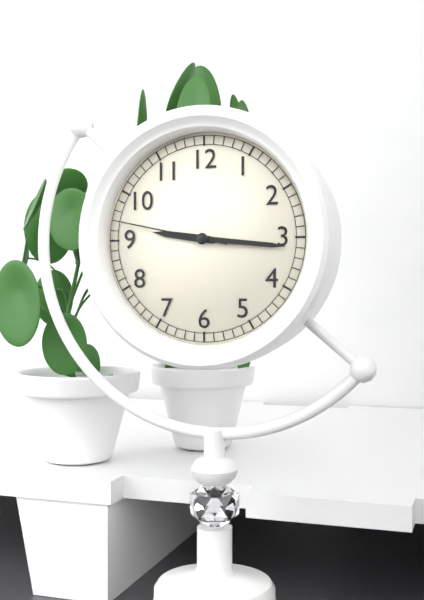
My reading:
9 h 16 min 47 s
